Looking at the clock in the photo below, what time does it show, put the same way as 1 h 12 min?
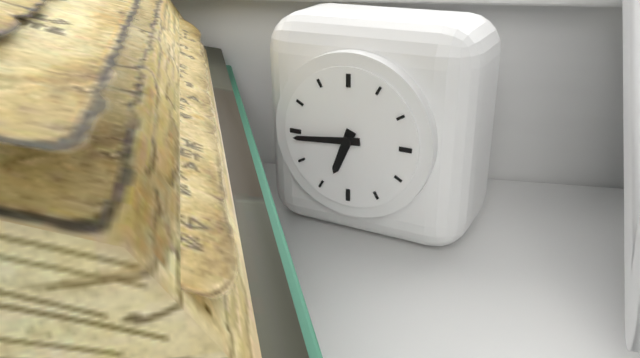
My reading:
6 h 44 min
